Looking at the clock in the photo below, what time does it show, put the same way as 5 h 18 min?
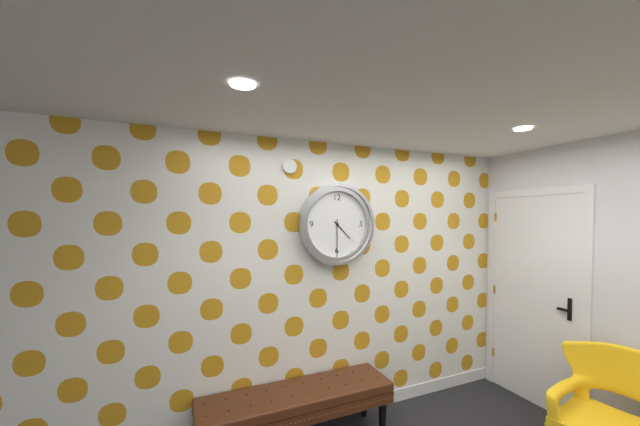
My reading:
4 h 30 min
